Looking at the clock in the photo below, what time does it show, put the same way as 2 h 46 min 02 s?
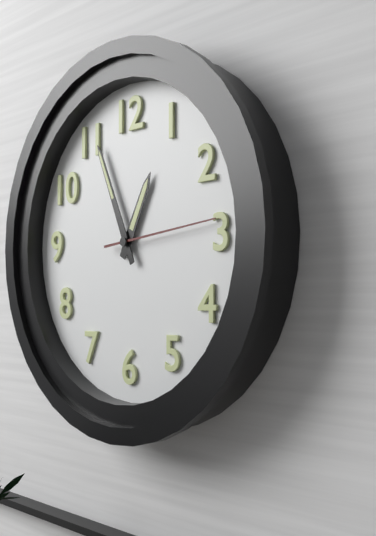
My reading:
12 h 56 min 14 s
